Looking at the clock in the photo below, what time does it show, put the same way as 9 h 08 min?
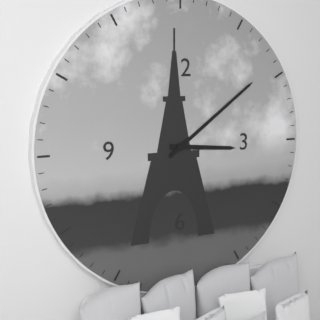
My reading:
3 h 09 min
